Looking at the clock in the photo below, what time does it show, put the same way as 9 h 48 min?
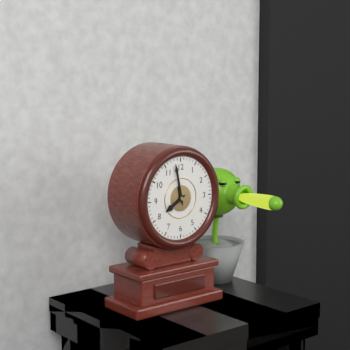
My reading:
7 h 58 min
